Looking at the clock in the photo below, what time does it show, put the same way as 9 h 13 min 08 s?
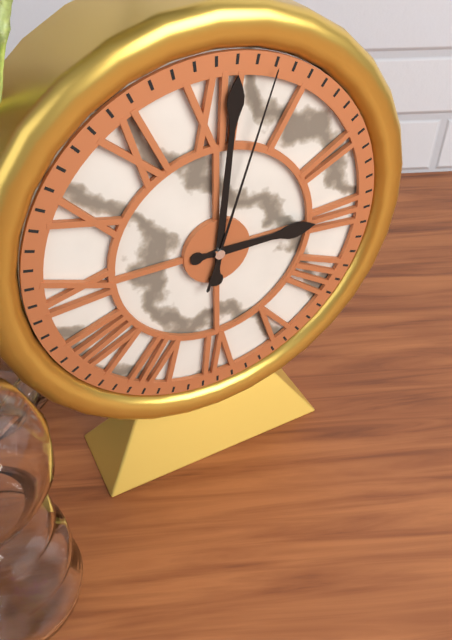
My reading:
3 h 01 min 03 s
